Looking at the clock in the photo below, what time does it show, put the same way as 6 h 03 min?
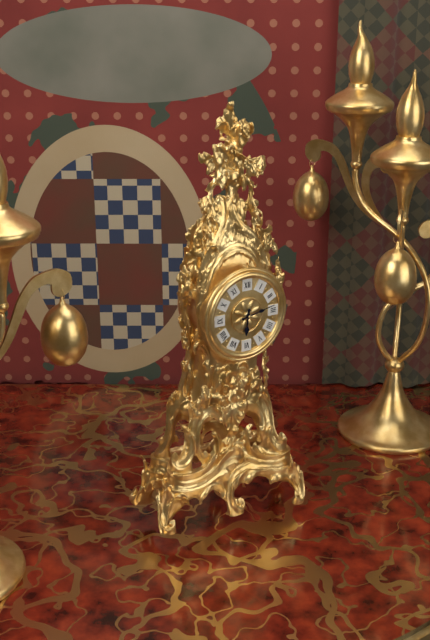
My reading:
6 h 13 min
